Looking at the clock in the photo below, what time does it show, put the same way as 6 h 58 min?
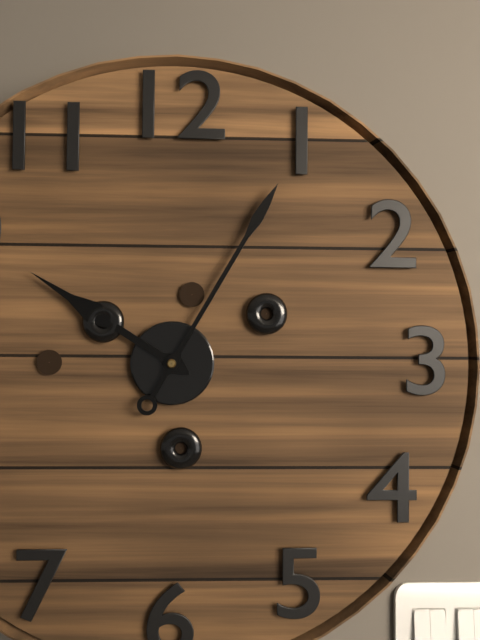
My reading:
10 h 05 min
